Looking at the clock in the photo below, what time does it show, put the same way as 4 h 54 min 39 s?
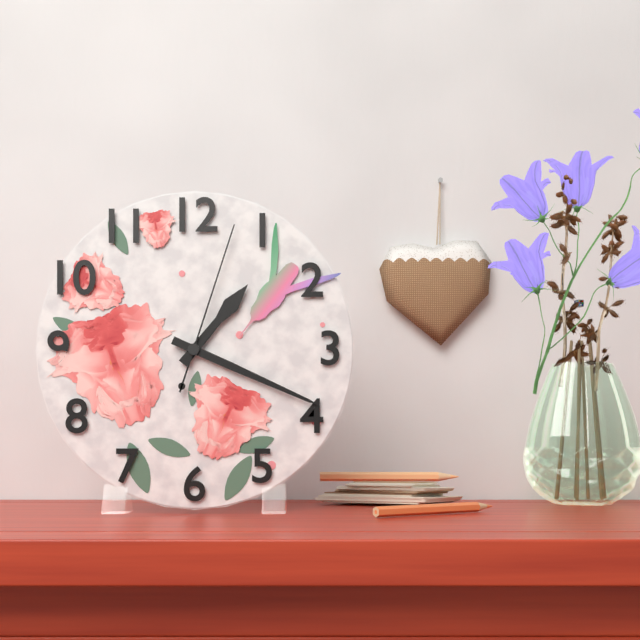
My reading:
1 h 19 min 03 s
